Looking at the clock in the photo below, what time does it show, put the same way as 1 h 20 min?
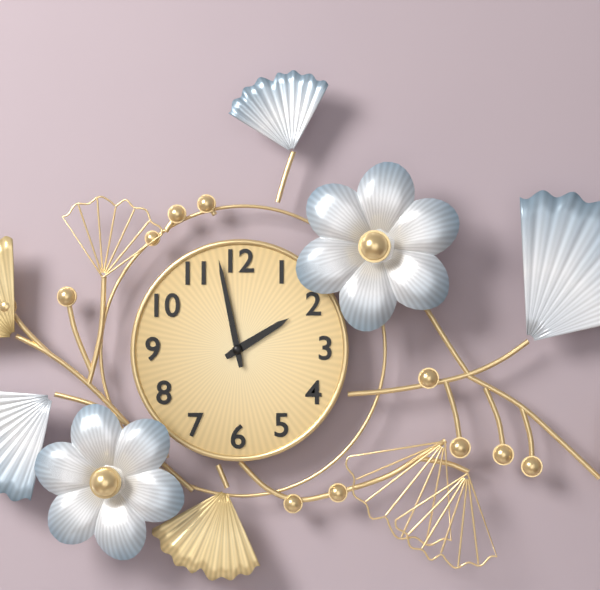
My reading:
1 h 58 min
